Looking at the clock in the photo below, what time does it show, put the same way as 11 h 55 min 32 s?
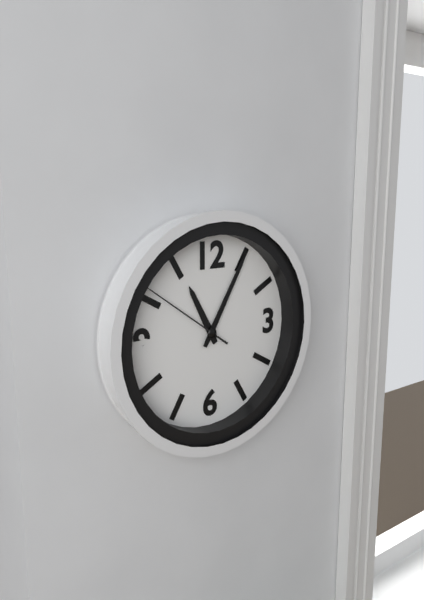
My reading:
11 h 05 min 51 s
